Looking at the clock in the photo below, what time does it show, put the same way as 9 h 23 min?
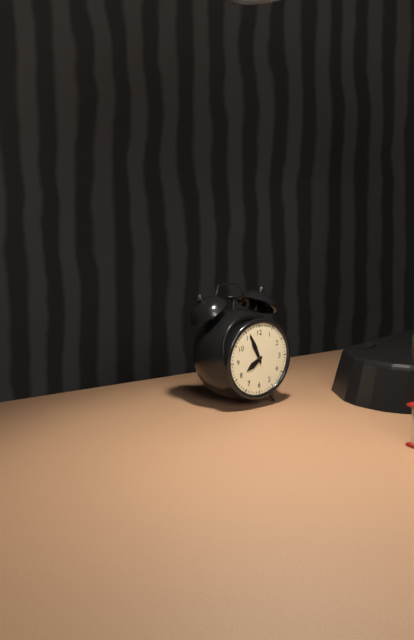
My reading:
7 h 56 min
